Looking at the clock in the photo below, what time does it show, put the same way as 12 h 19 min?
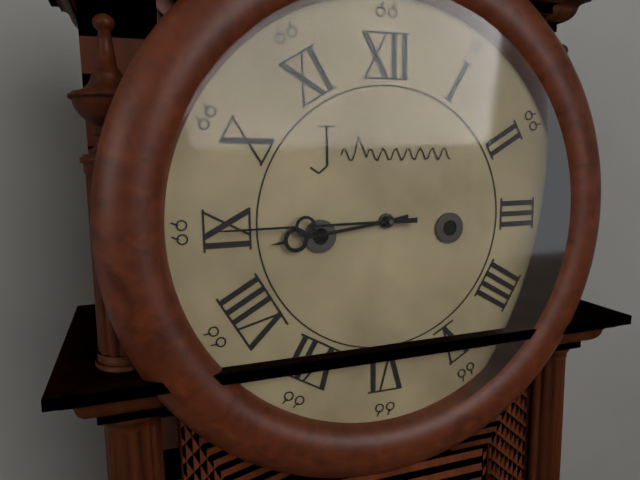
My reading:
8 h 45 min
